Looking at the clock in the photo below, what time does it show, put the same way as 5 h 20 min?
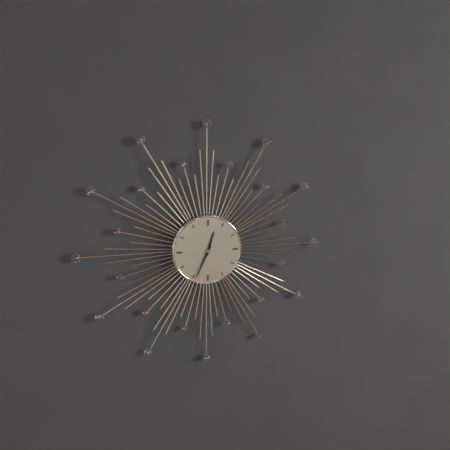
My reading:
12 h 34 min
